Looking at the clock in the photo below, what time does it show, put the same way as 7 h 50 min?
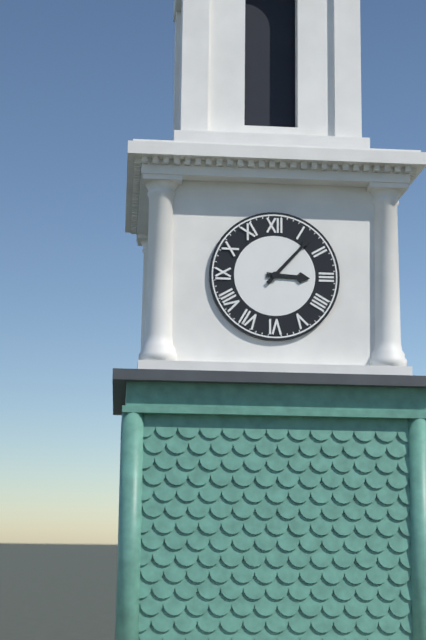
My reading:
3 h 07 min
